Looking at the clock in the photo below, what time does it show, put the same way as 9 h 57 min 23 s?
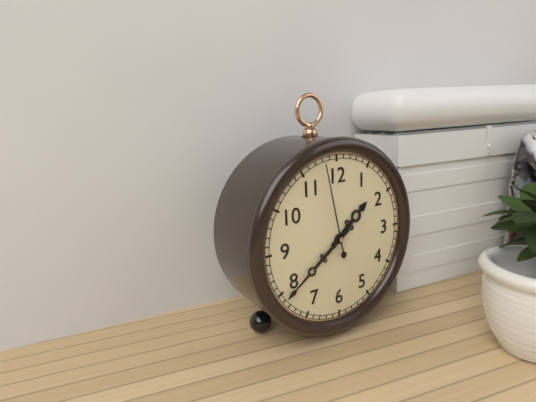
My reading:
1 h 39 min 58 s
